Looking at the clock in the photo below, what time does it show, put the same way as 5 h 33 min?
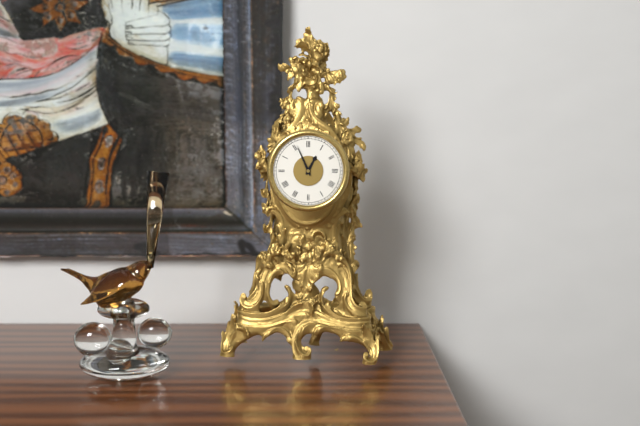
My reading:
12 h 56 min
